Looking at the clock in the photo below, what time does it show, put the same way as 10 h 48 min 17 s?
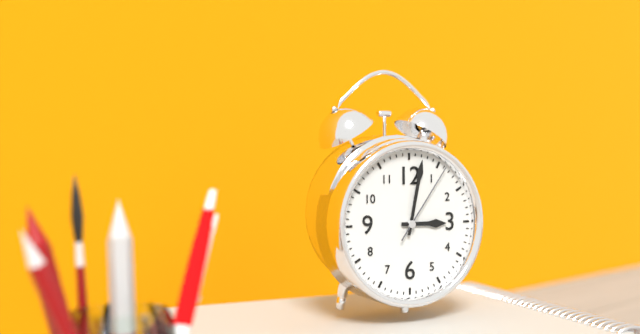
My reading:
3 h 02 min 06 s
